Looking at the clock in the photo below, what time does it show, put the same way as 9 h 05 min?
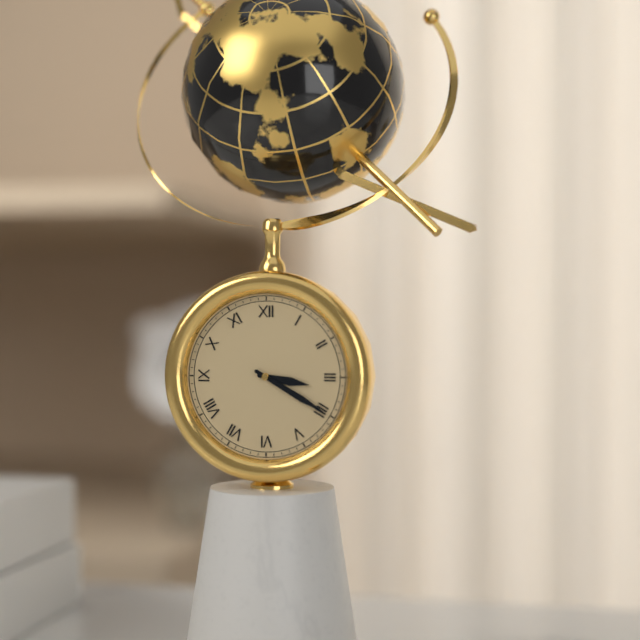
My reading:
3 h 20 min
